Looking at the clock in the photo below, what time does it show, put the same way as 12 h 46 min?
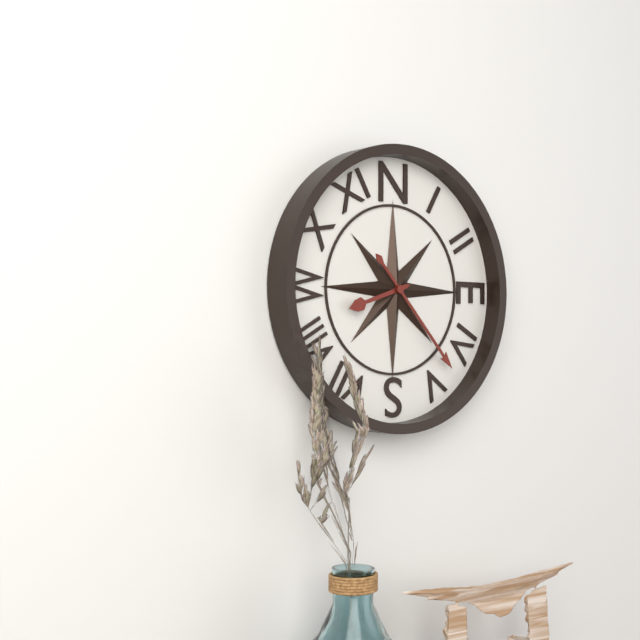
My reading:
8 h 23 min
